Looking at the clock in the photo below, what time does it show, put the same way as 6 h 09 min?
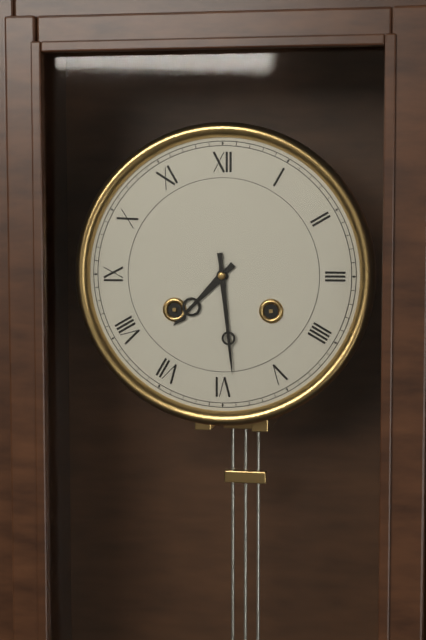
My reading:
7 h 29 min
